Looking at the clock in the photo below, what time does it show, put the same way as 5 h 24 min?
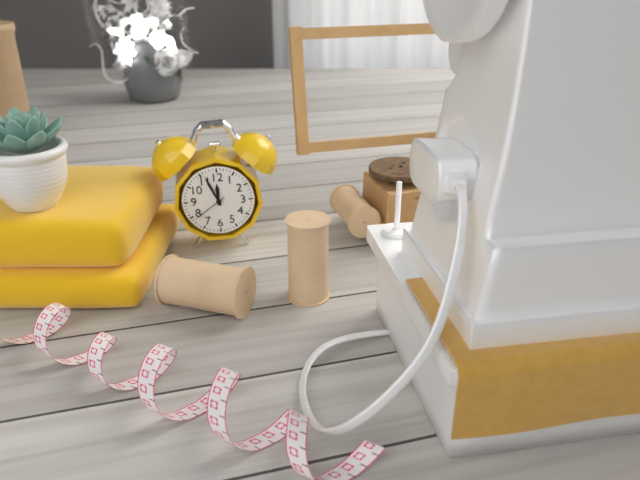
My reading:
11 h 56 min
